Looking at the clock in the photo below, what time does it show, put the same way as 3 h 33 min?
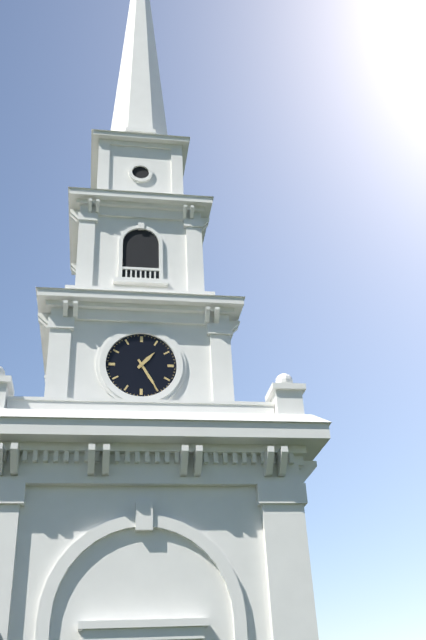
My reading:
1 h 25 min
